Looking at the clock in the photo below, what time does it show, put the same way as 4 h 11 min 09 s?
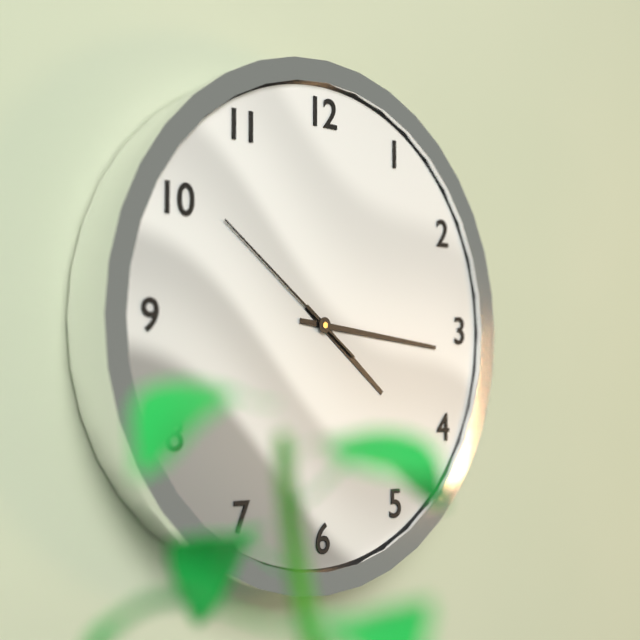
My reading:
4 h 16 min 51 s
